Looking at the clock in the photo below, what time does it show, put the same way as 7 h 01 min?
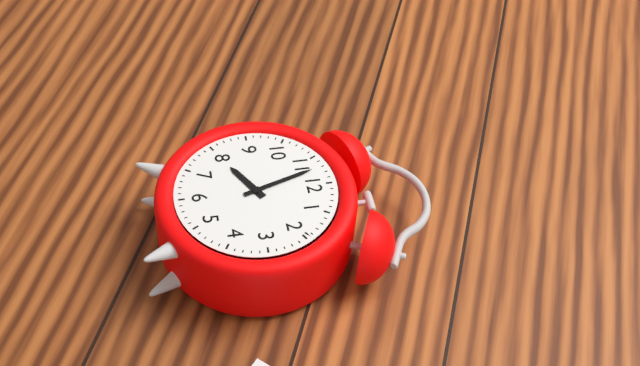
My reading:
7 h 57 min
